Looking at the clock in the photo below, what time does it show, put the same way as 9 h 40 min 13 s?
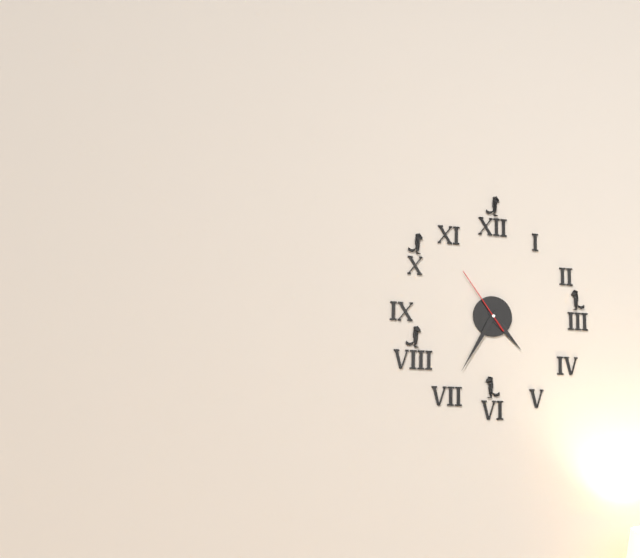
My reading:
4 h 35 min 54 s
